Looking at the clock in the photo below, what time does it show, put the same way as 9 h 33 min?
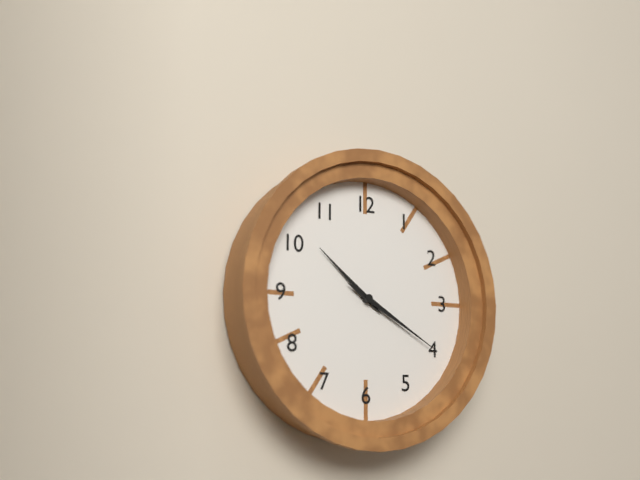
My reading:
10 h 20 min
